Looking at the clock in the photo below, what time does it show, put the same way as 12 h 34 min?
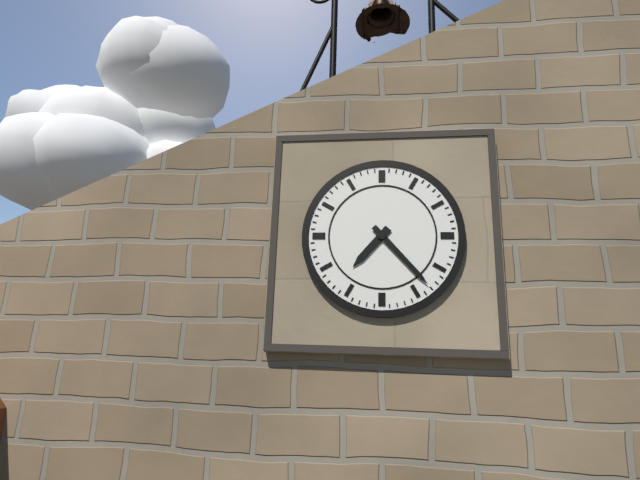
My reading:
7 h 23 min
